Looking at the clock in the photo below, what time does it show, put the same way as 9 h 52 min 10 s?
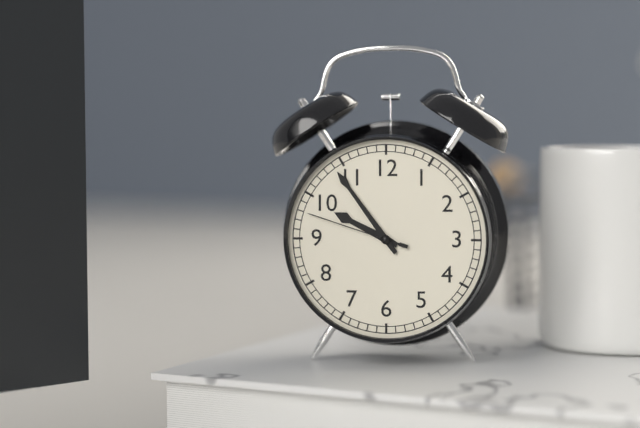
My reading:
9 h 54 min 48 s
